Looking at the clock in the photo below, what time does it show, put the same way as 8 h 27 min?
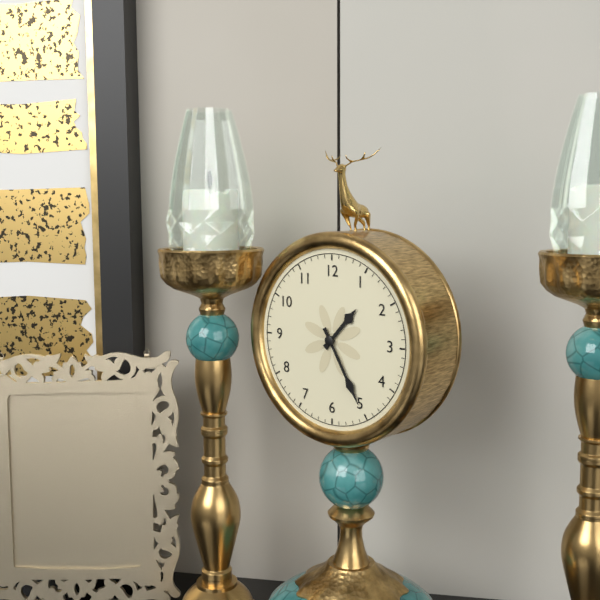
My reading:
1 h 25 min
